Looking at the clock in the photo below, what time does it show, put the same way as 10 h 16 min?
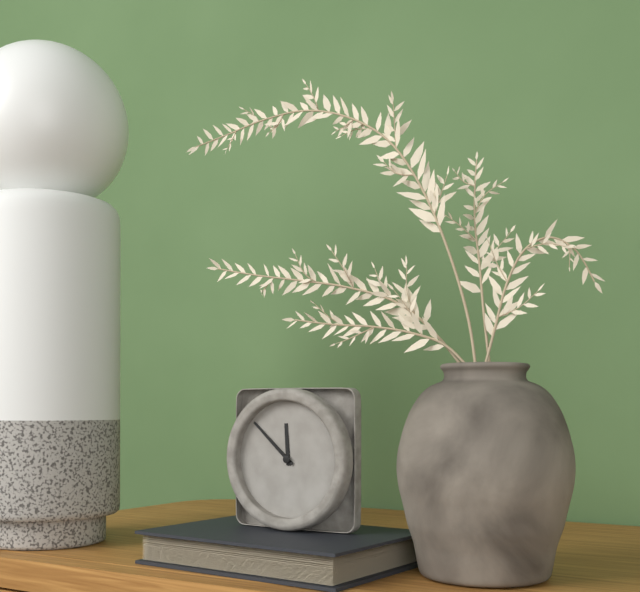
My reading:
11 h 52 min
